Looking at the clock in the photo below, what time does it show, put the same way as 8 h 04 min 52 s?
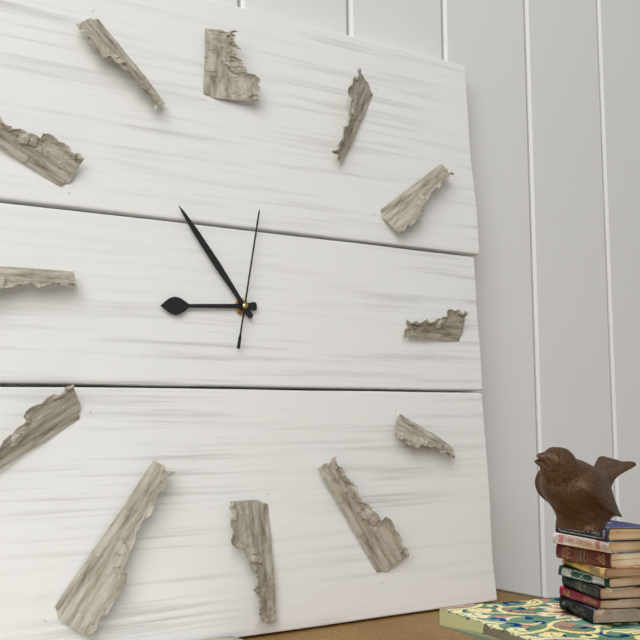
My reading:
8 h 54 min 02 s
